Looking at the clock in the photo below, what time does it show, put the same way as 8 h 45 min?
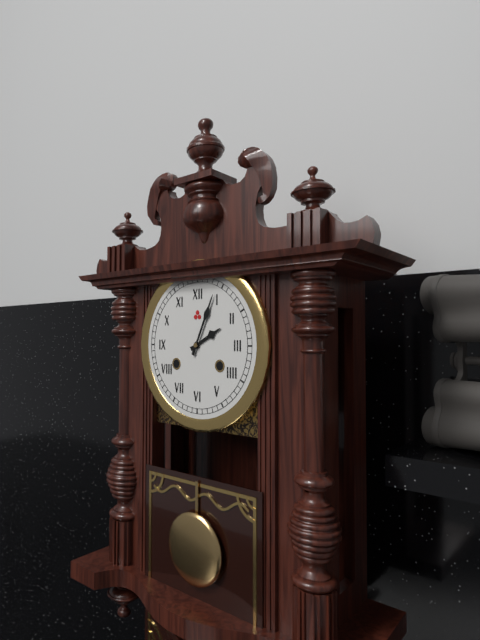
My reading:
2 h 04 min
